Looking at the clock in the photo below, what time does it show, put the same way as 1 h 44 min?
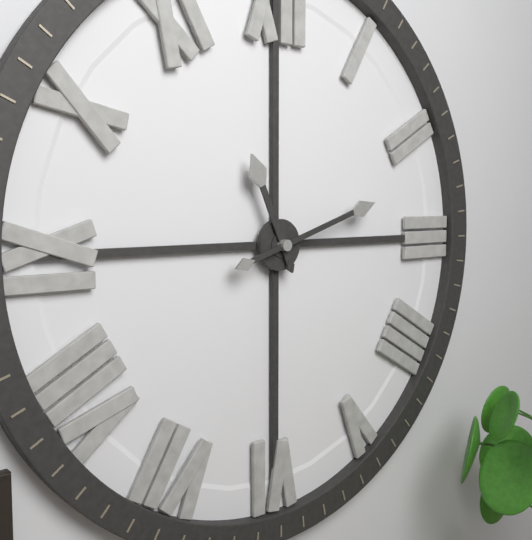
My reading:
11 h 12 min
